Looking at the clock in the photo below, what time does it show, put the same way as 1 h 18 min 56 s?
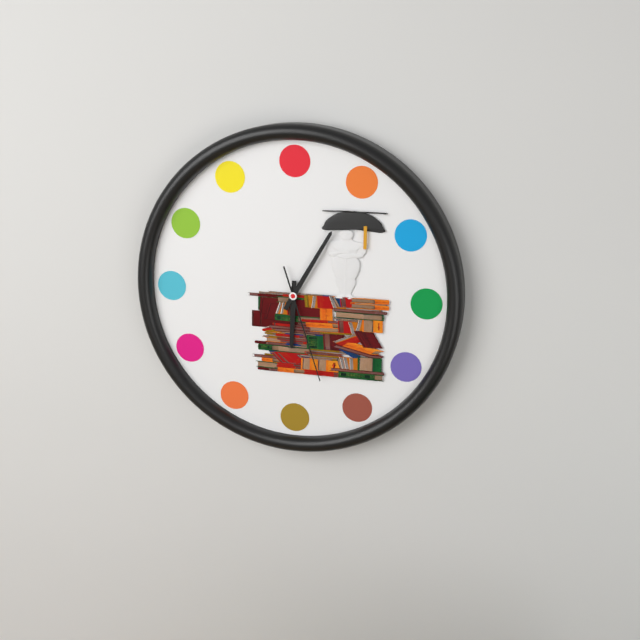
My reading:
6 h 05 min 27 s
